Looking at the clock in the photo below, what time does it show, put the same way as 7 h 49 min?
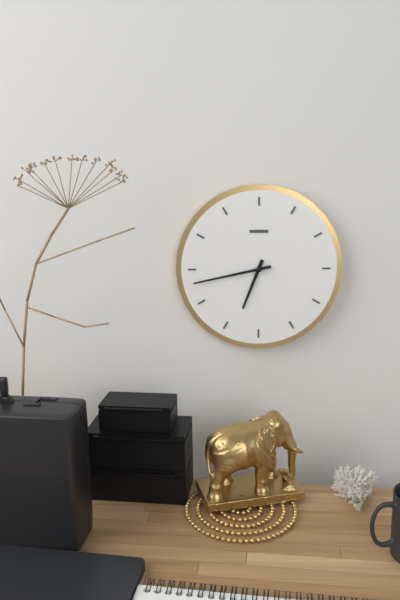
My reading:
6 h 43 min
